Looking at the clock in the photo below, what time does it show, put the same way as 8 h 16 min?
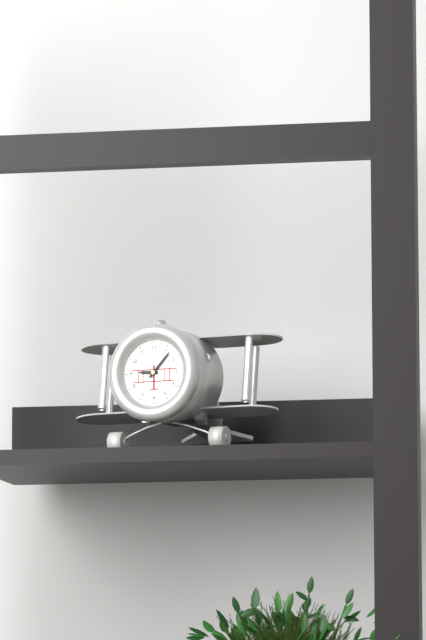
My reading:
9 h 07 min
